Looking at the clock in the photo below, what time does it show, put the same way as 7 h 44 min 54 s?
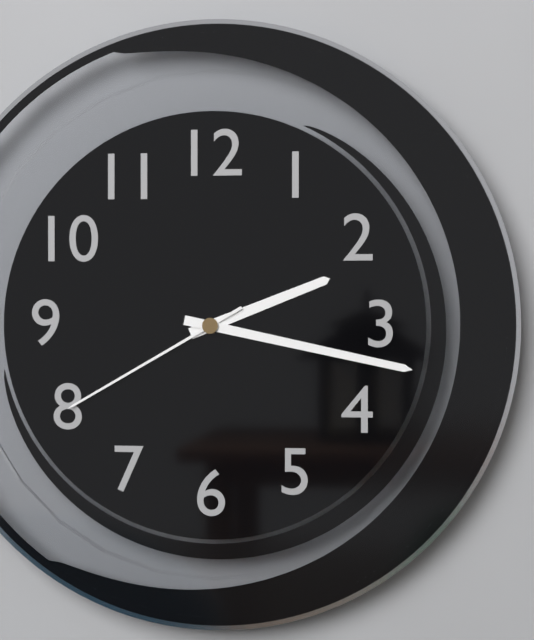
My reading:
2 h 17 min 40 s
